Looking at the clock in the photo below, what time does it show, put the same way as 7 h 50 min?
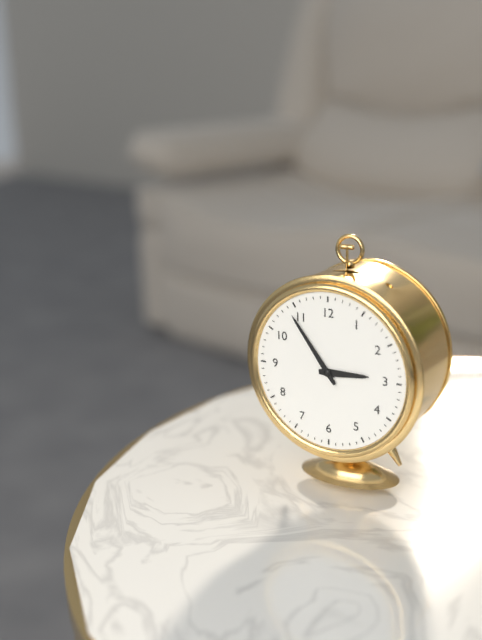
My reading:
2 h 54 min
